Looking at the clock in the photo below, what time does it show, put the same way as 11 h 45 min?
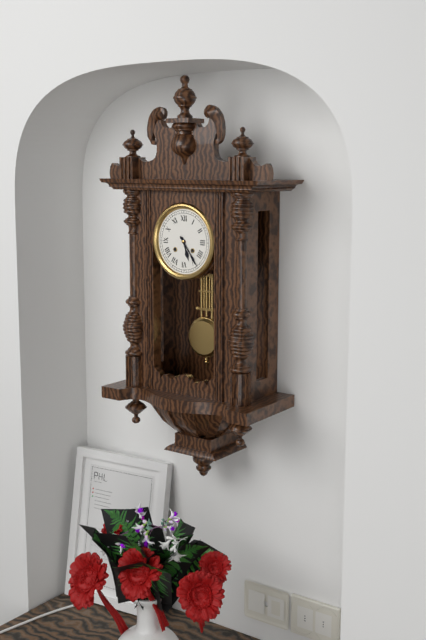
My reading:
5 h 24 min
